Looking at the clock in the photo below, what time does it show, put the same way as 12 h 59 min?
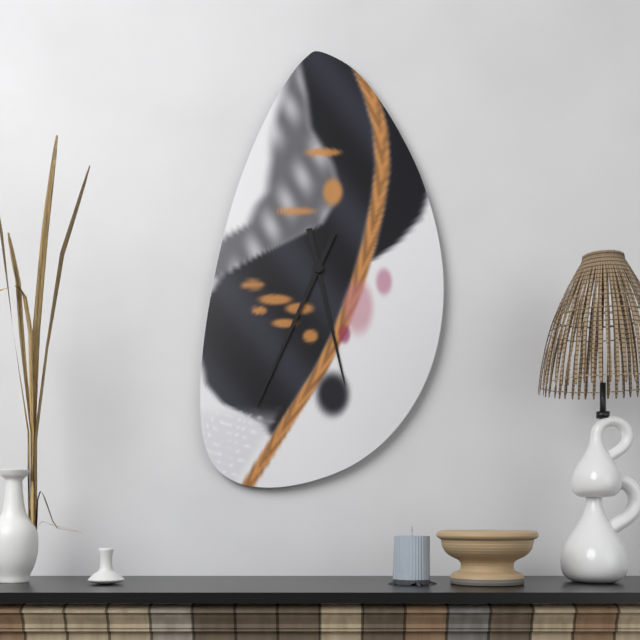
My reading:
5 h 34 min
